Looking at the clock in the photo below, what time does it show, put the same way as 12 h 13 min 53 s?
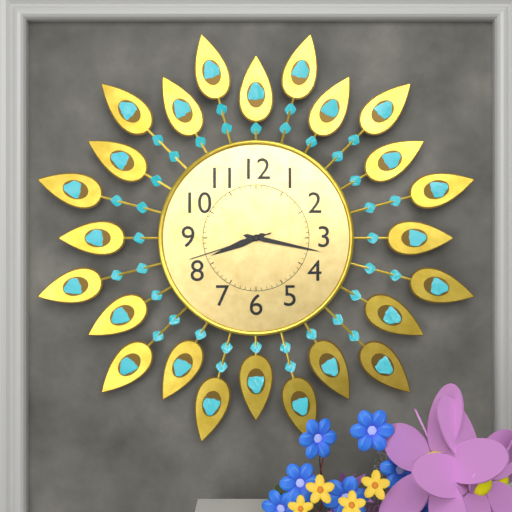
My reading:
8 h 17 min 42 s
